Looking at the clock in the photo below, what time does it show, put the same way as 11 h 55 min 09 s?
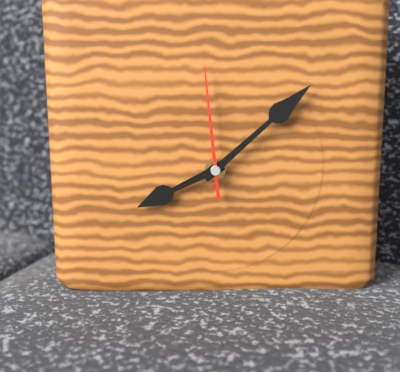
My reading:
8 h 08 min 59 s
